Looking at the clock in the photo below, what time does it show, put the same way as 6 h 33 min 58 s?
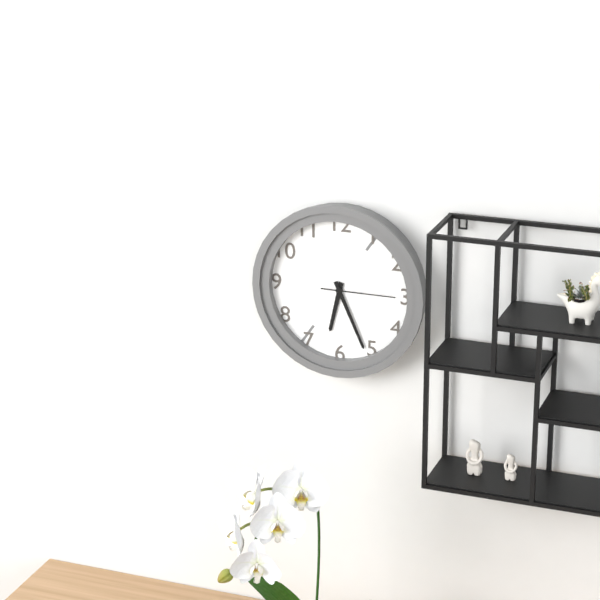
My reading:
6 h 26 min 15 s
